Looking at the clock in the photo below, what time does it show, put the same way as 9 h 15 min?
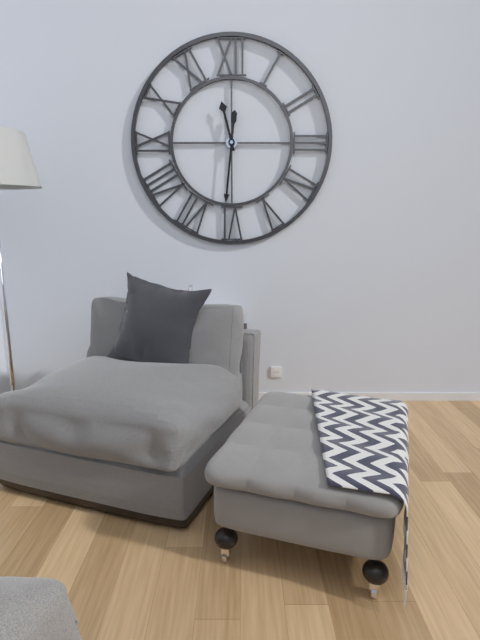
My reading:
11 h 31 min
